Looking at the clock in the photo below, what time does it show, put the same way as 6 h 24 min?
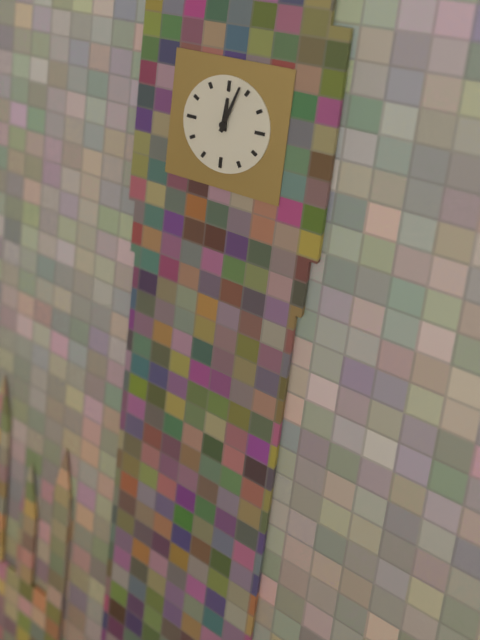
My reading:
12 h 03 min
